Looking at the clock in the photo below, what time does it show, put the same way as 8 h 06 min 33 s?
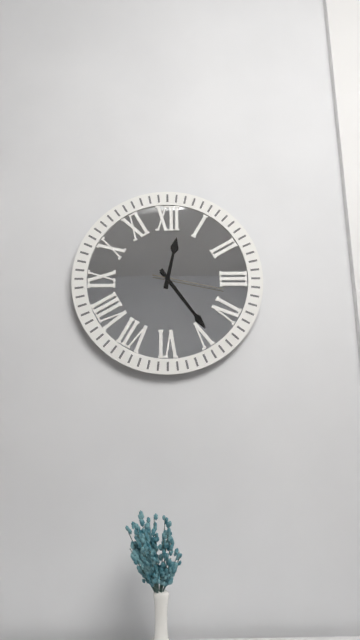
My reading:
12 h 24 min 17 s
